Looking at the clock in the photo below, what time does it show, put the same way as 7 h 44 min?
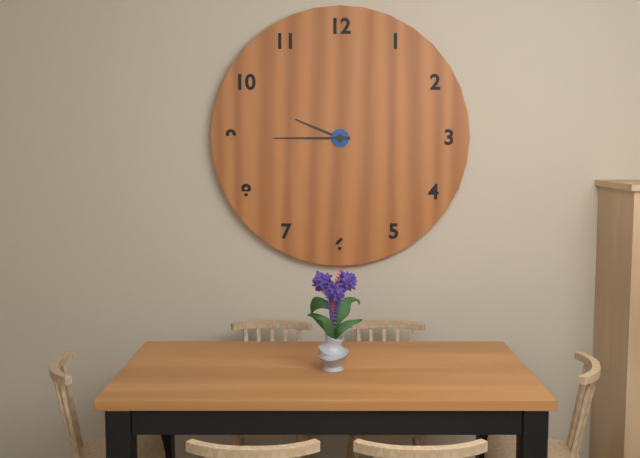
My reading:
9 h 45 min
